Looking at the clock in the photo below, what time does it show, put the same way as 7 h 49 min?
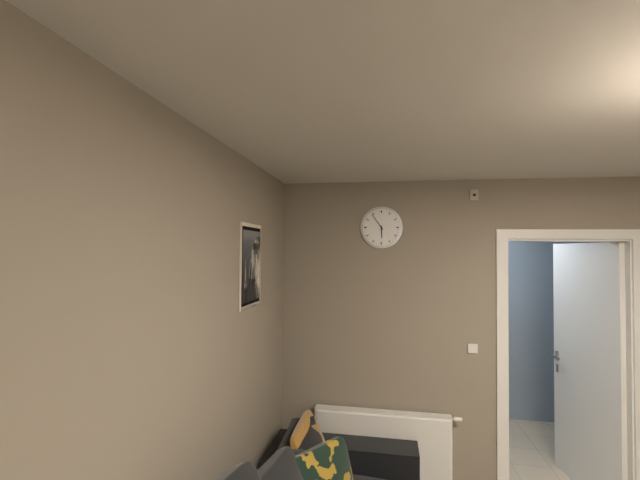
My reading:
5 h 54 min
